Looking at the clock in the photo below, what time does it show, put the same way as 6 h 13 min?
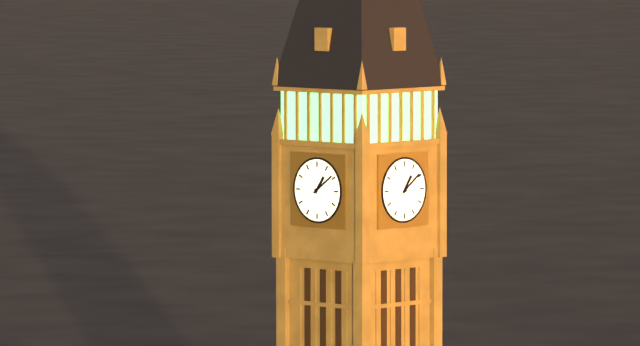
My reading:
1 h 09 min
